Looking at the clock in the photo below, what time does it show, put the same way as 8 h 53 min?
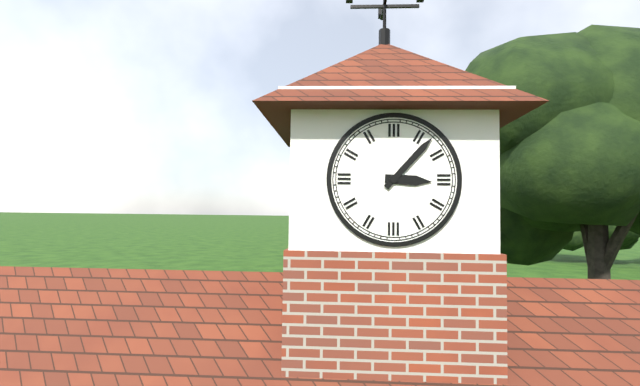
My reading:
3 h 07 min
